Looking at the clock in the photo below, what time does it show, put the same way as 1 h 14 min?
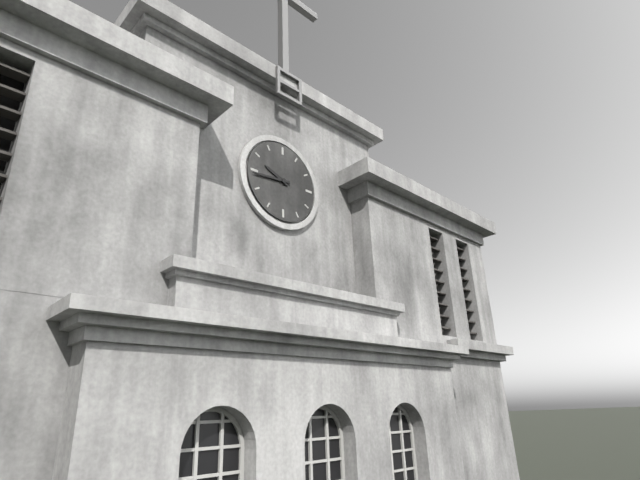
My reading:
9 h 44 min
